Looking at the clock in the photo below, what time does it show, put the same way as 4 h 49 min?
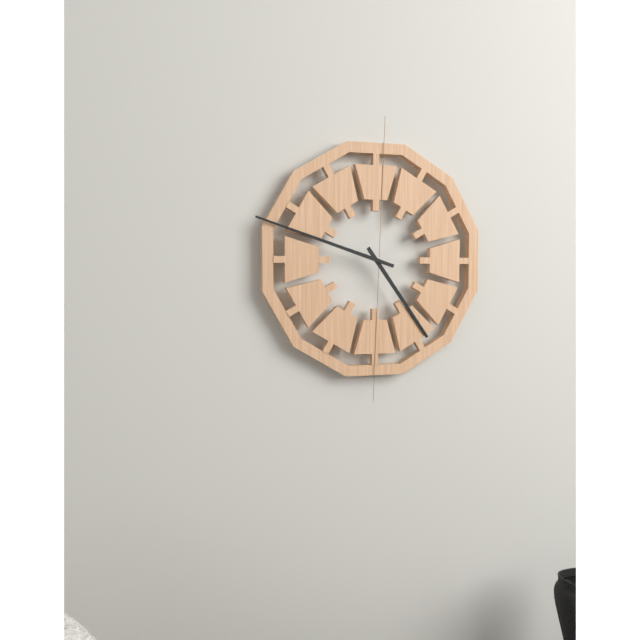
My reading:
4 h 48 min
